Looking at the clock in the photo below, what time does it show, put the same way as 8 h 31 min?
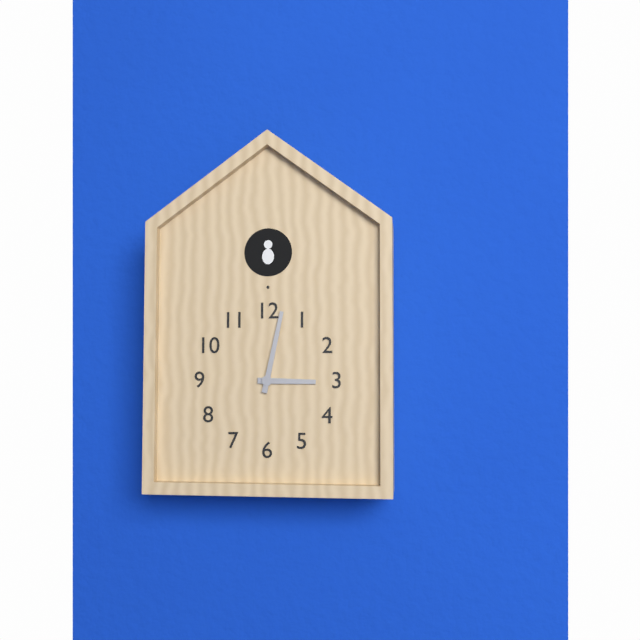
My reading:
3 h 02 min
